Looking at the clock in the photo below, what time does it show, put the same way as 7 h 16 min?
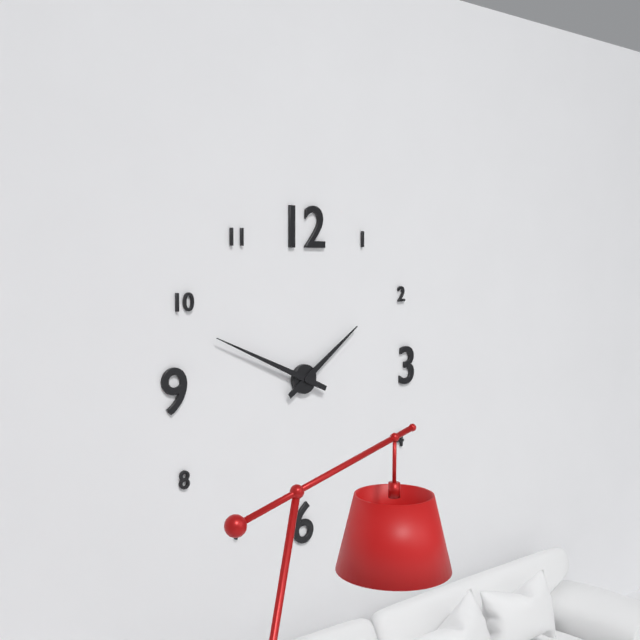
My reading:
1 h 49 min
